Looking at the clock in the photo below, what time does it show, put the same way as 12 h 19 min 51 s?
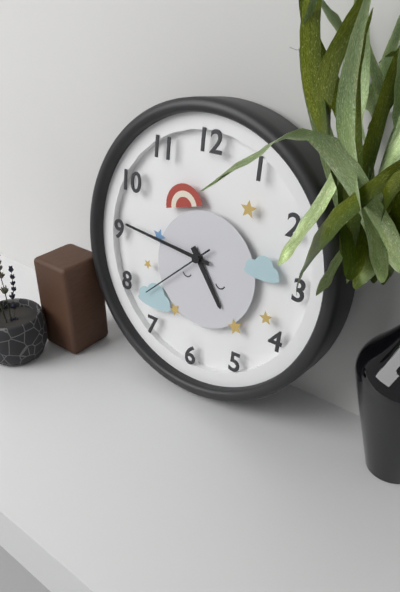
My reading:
4 h 46 min 38 s
